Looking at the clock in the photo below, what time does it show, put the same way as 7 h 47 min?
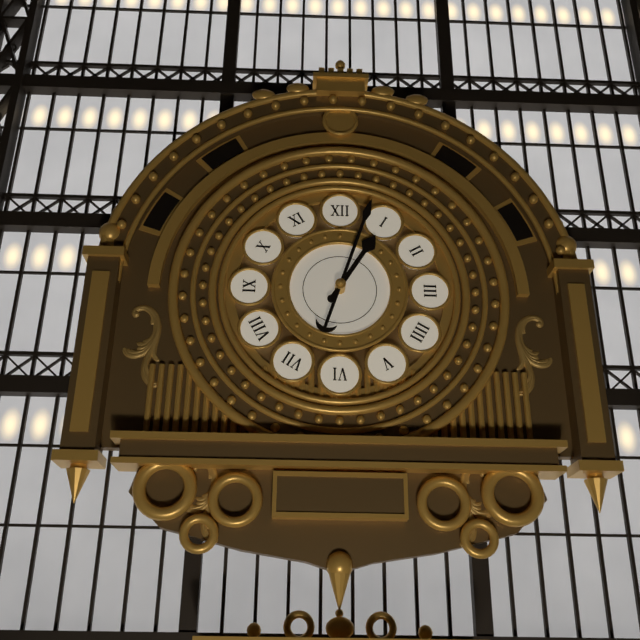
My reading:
1 h 03 min
